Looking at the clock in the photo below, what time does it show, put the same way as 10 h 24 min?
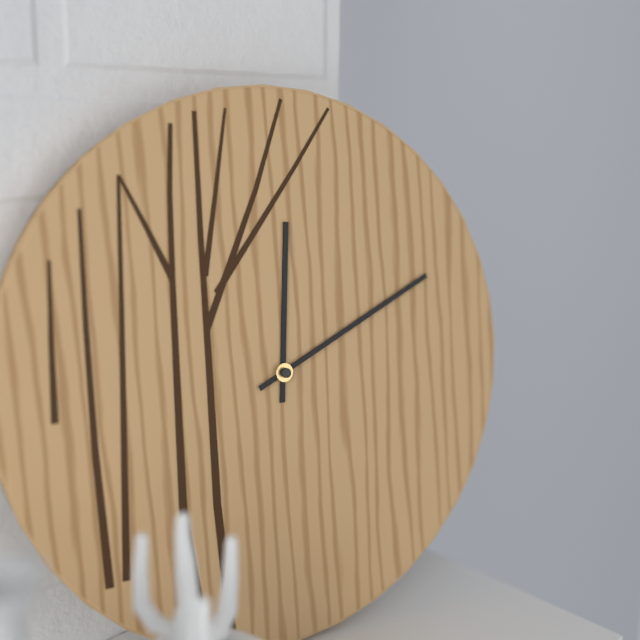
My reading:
12 h 11 min
